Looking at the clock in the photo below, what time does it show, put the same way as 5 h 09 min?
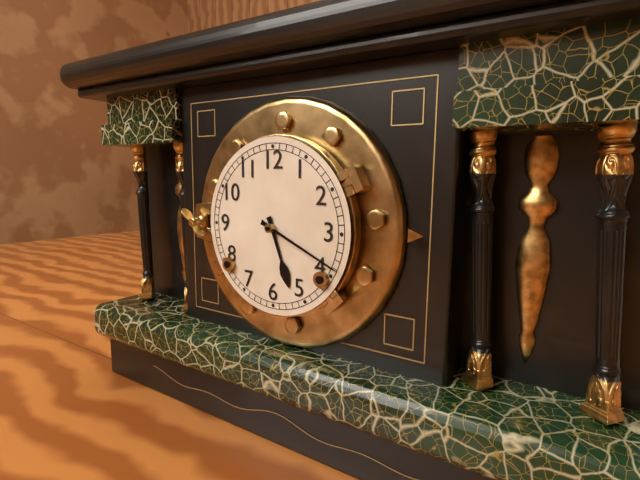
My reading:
5 h 19 min
